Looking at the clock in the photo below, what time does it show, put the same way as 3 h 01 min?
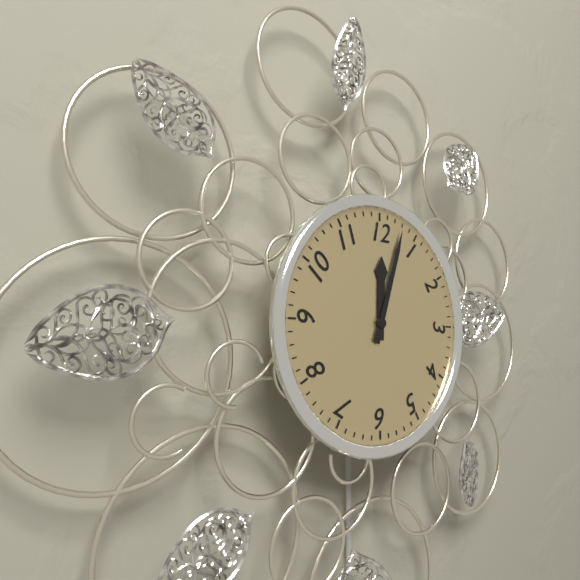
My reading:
12 h 03 min
